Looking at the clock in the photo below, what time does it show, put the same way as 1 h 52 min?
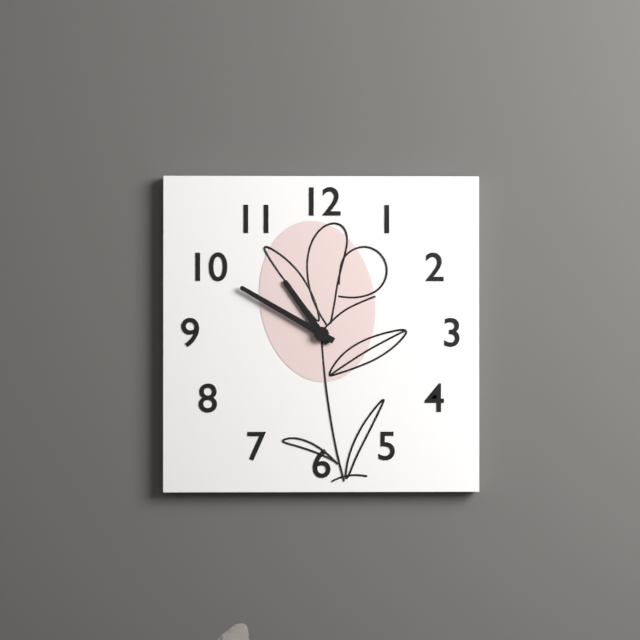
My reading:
10 h 50 min
